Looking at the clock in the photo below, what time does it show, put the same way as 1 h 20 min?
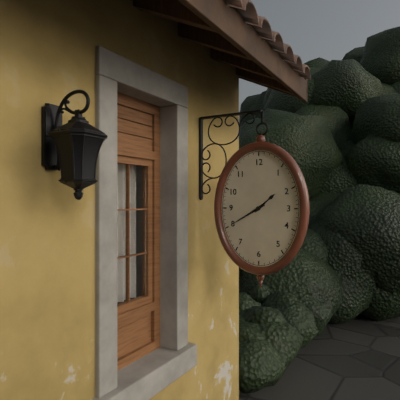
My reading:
1 h 40 min
